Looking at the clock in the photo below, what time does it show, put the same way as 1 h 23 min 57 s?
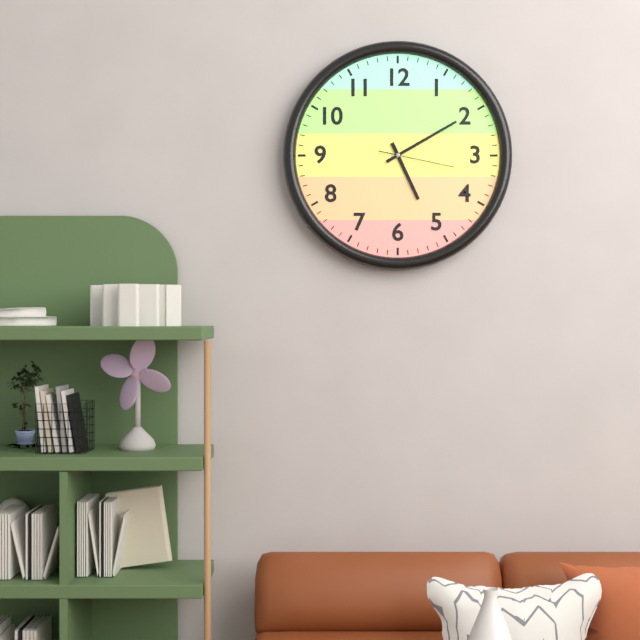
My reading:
5 h 10 min 17 s
